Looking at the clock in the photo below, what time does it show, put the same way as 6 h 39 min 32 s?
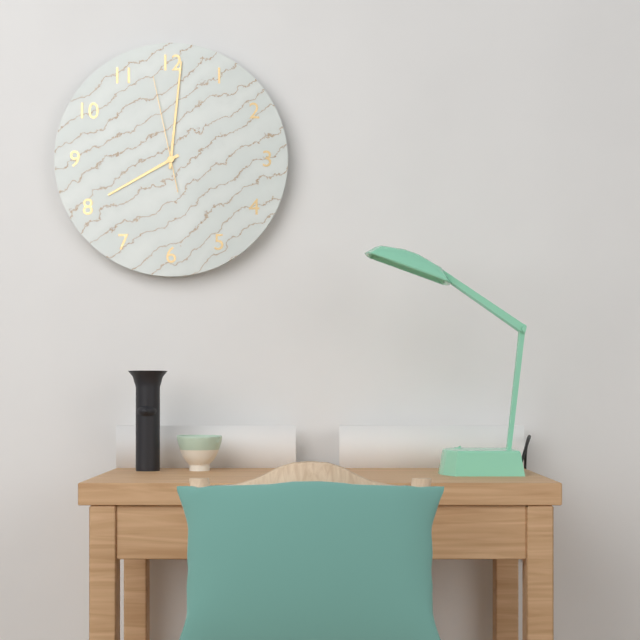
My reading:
8 h 01 min 58 s
